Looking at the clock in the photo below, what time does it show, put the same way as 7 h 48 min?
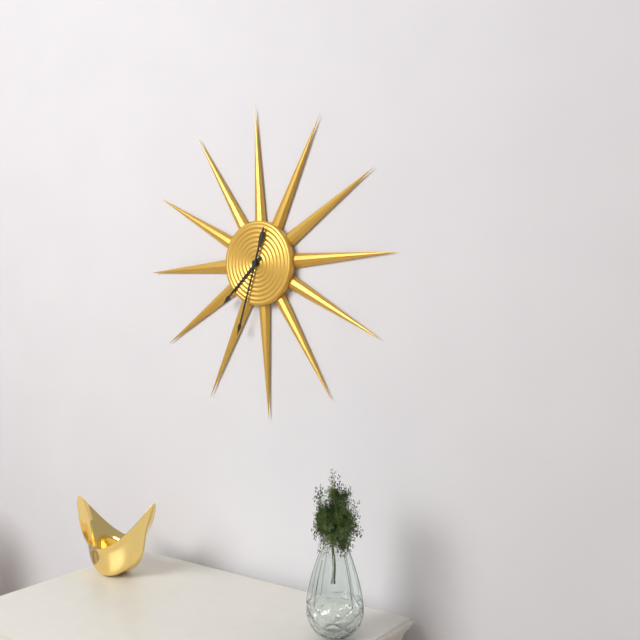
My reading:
7 h 33 min
